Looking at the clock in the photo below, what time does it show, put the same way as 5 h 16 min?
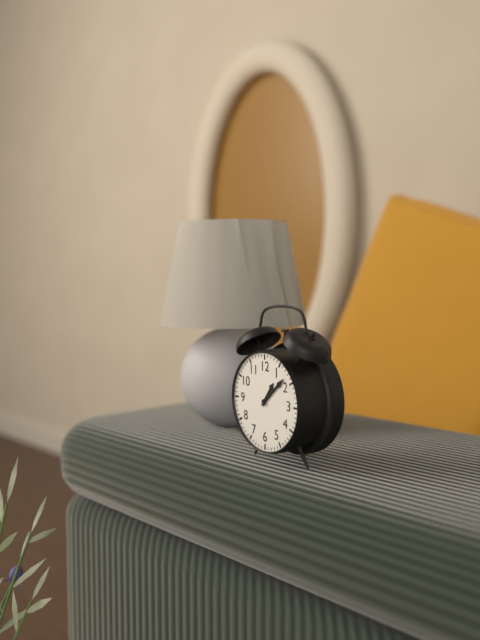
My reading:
1 h 08 min
